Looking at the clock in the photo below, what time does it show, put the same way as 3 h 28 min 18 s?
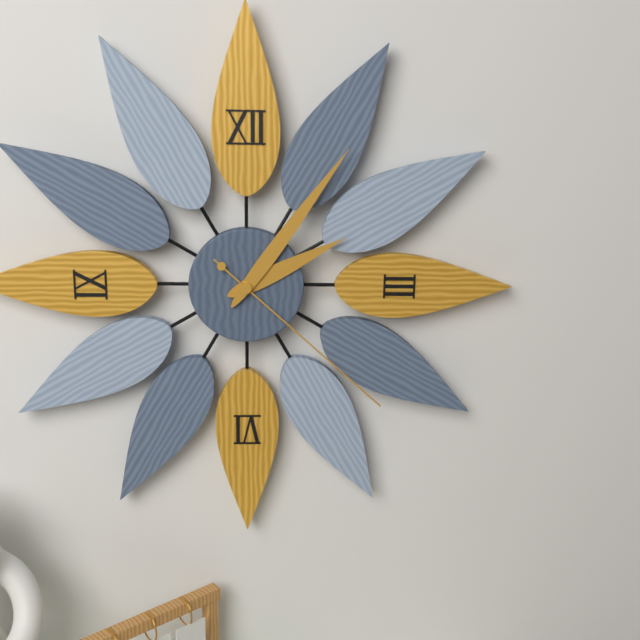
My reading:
2 h 06 min 22 s
